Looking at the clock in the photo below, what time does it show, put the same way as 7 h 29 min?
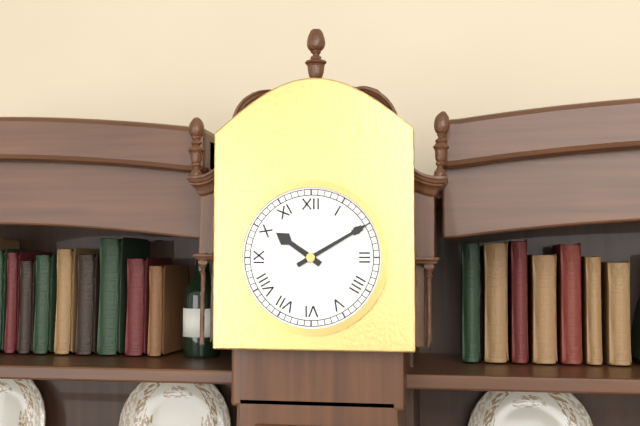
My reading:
10 h 10 min
